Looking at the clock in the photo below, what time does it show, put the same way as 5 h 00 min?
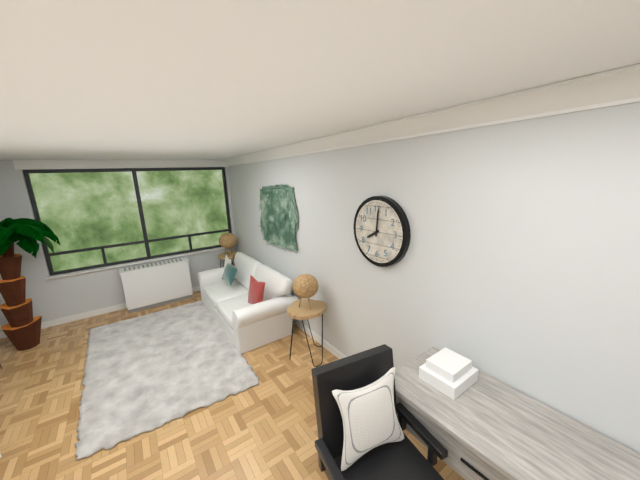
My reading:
8 h 01 min
